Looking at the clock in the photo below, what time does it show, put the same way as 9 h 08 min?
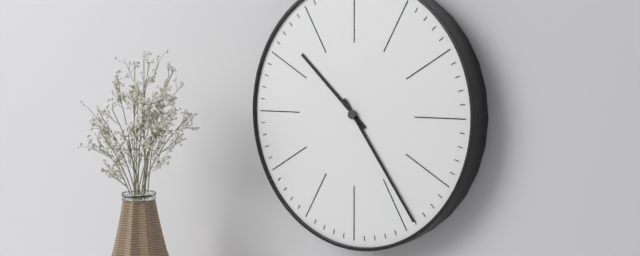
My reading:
10 h 24 min
